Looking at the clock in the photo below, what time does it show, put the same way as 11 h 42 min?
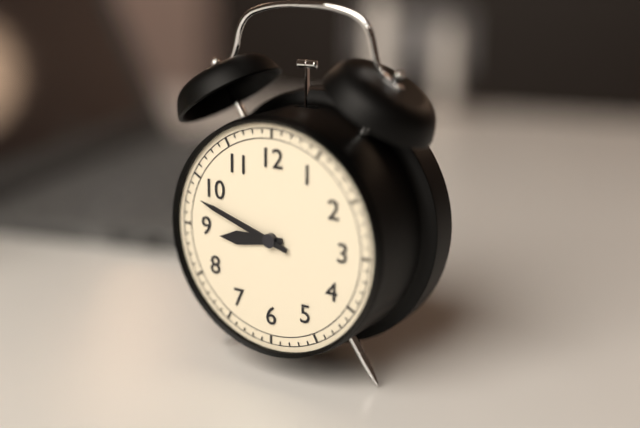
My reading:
8 h 48 min
